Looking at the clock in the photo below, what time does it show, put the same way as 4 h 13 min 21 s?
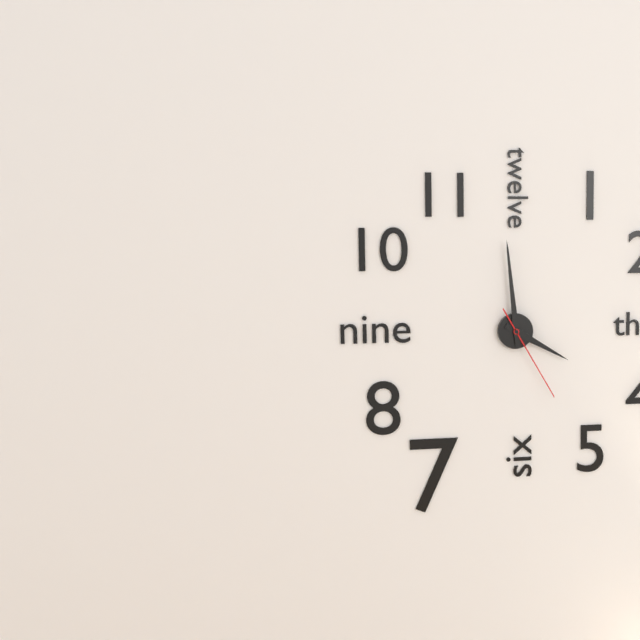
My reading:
3 h 59 min 25 s
